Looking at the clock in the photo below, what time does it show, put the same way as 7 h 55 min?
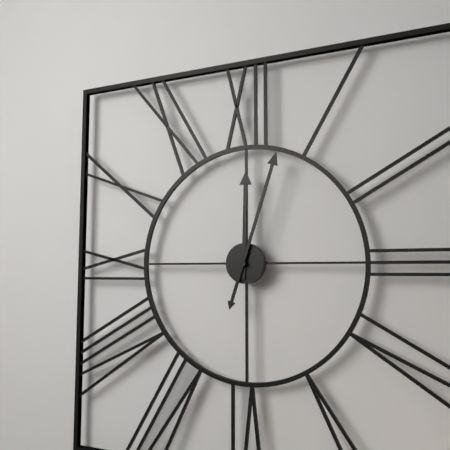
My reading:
12 h 03 min
